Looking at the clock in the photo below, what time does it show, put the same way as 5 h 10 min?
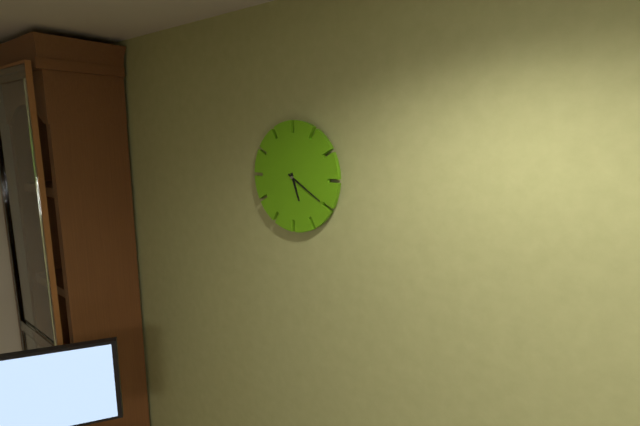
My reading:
5 h 20 min
